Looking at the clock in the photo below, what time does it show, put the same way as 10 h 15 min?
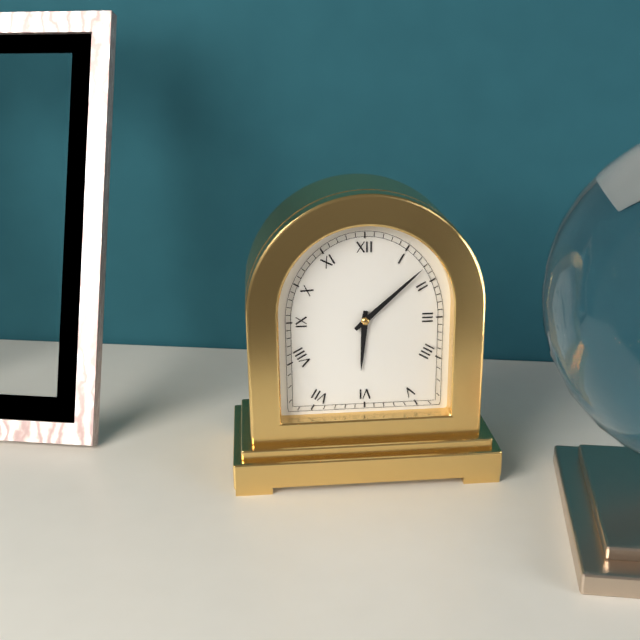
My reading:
6 h 08 min
